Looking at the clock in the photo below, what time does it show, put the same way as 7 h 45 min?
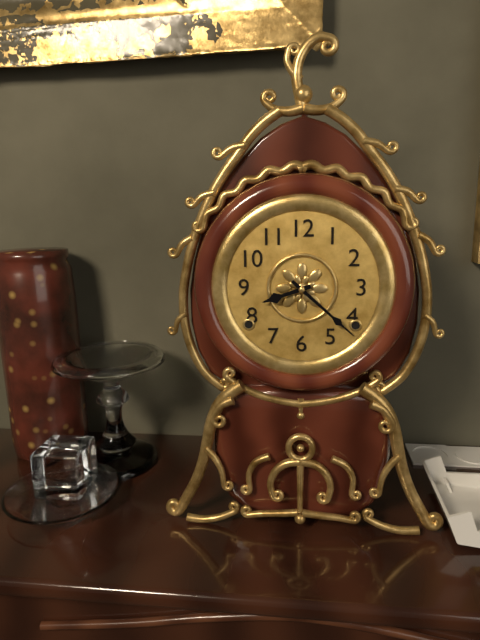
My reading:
8 h 22 min
